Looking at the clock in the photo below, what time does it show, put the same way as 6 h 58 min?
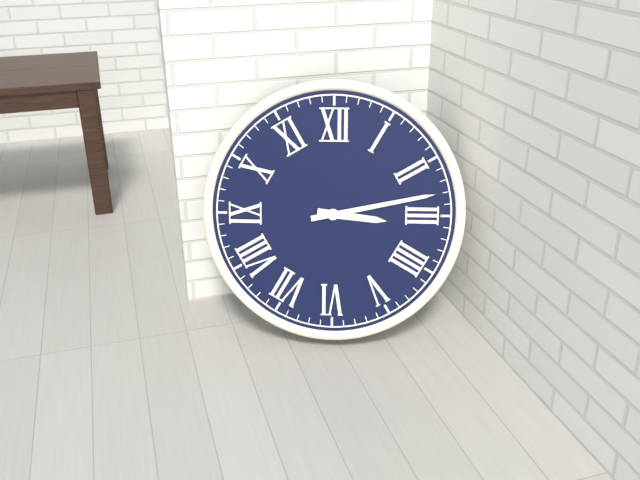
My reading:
3 h 13 min
